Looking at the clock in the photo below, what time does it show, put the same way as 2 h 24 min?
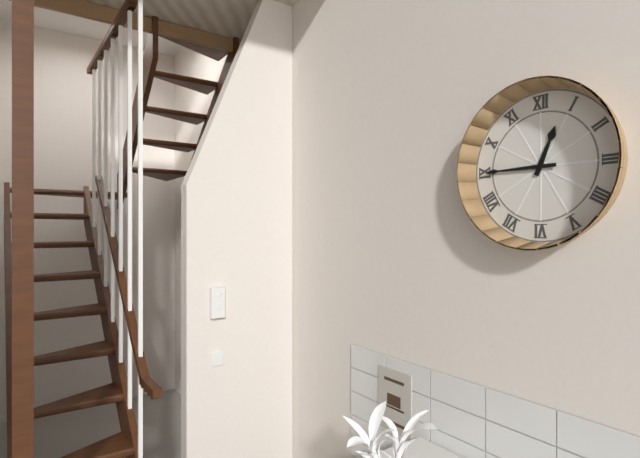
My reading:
12 h 45 min
